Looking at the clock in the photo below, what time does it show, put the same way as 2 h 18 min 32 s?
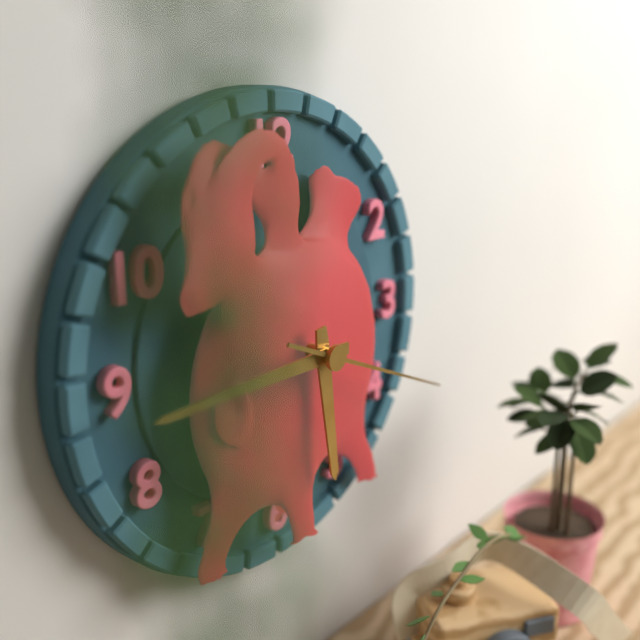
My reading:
5 h 45 min 19 s
